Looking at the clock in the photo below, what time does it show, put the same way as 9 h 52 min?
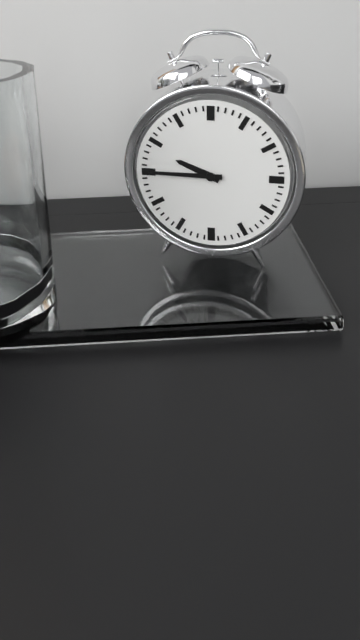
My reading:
9 h 45 min
